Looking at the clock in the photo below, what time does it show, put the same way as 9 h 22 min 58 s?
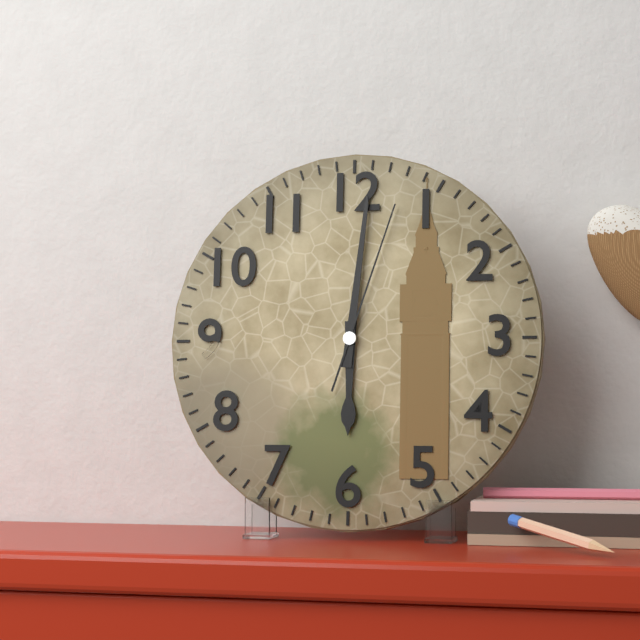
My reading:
6 h 01 min 03 s
